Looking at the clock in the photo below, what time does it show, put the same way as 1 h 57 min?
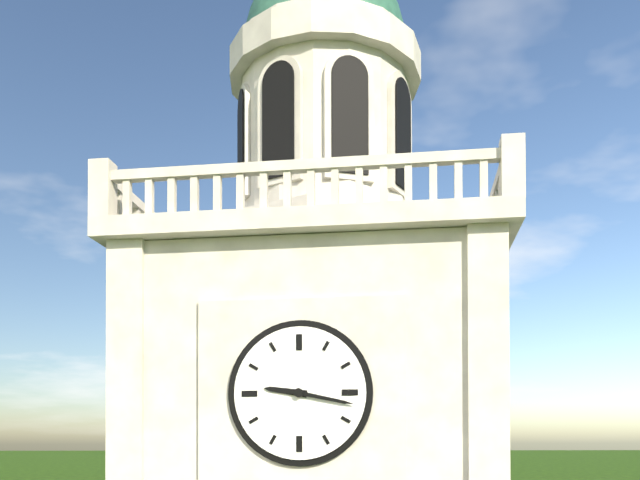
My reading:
9 h 17 min
